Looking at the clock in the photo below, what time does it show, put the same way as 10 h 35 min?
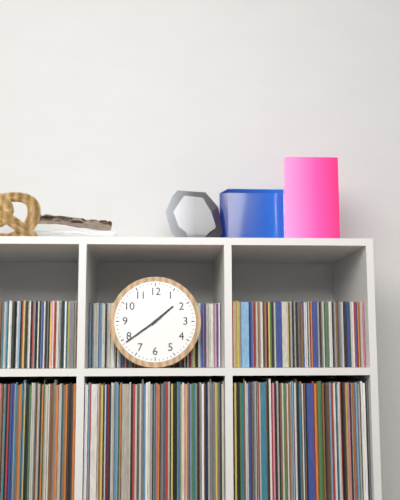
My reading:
1 h 39 min
